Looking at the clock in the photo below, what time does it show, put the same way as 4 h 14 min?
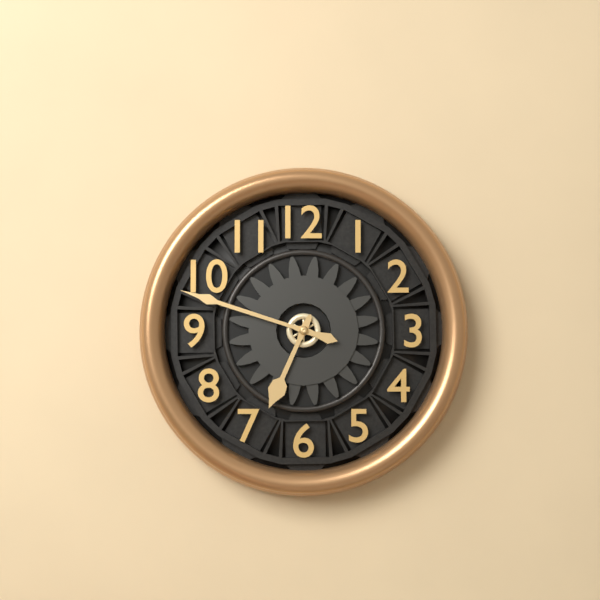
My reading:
6 h 48 min
